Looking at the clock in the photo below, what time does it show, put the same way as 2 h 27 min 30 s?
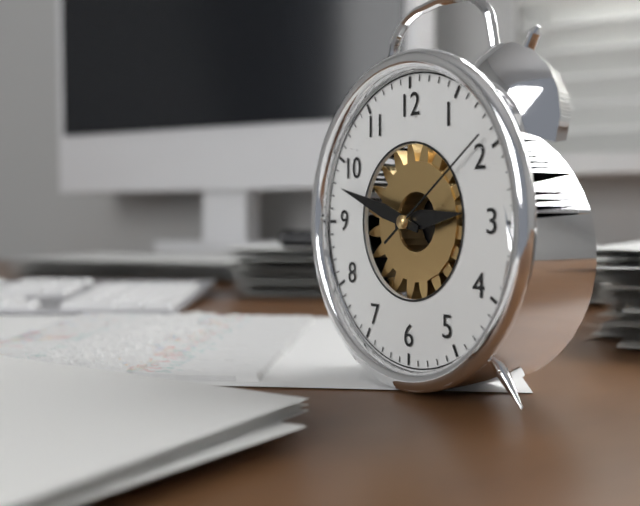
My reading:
2 h 48 min 09 s
